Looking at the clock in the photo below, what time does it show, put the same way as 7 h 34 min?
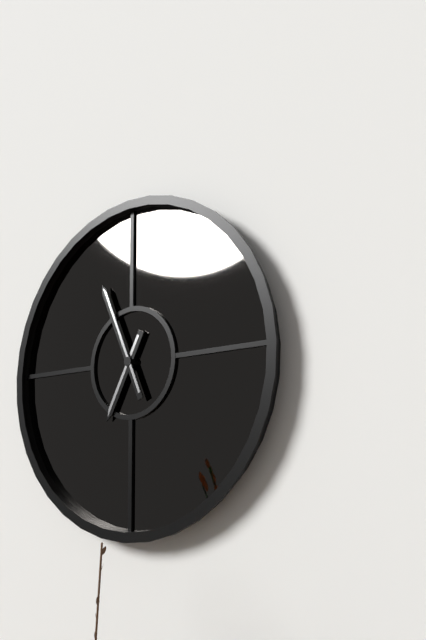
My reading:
6 h 56 min
